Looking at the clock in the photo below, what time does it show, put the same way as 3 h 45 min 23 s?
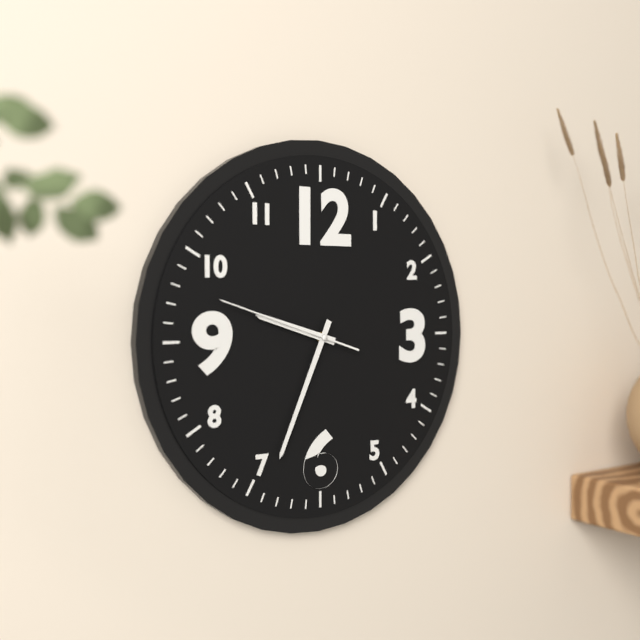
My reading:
9 h 34 min 48 s
